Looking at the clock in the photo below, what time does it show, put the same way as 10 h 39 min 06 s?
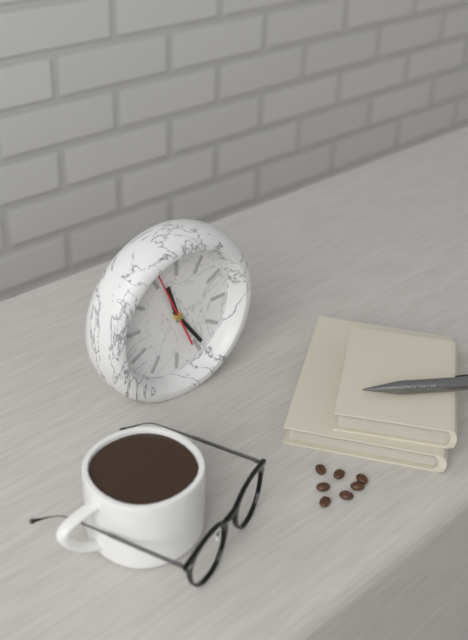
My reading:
11 h 24 min 56 s
